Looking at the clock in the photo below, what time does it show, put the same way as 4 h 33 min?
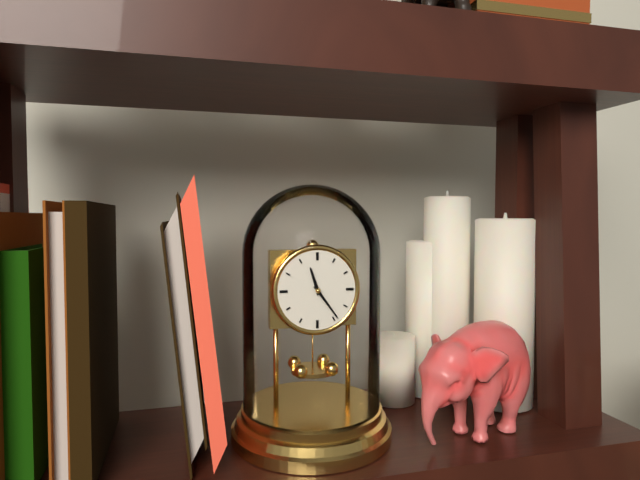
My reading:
11 h 24 min
